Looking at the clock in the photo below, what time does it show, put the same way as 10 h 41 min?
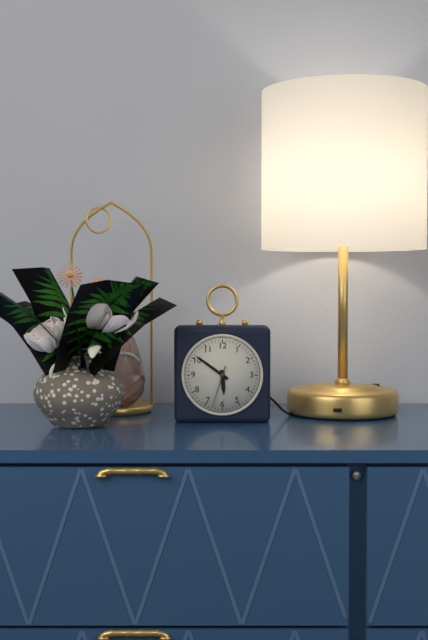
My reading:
5 h 51 min
